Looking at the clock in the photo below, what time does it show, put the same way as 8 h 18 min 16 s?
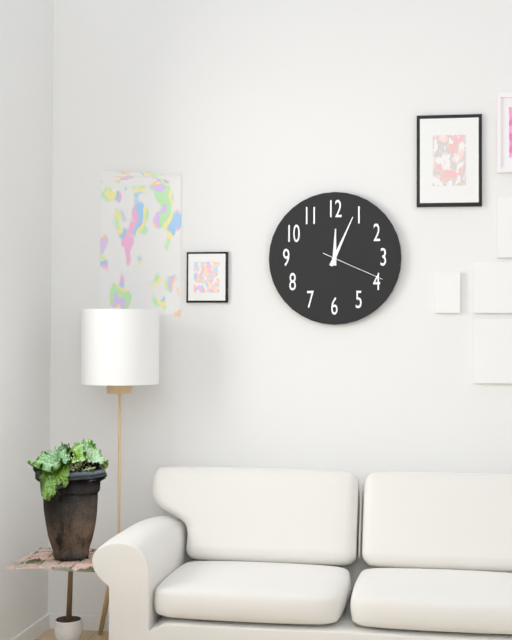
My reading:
12 h 04 min 19 s
